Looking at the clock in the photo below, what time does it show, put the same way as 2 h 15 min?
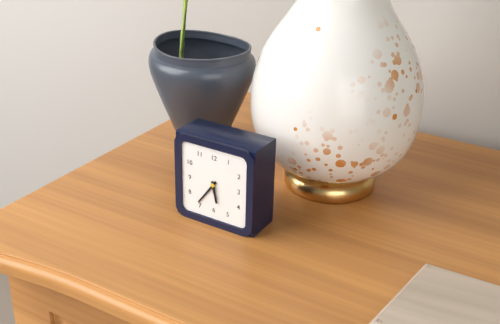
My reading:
5 h 36 min
